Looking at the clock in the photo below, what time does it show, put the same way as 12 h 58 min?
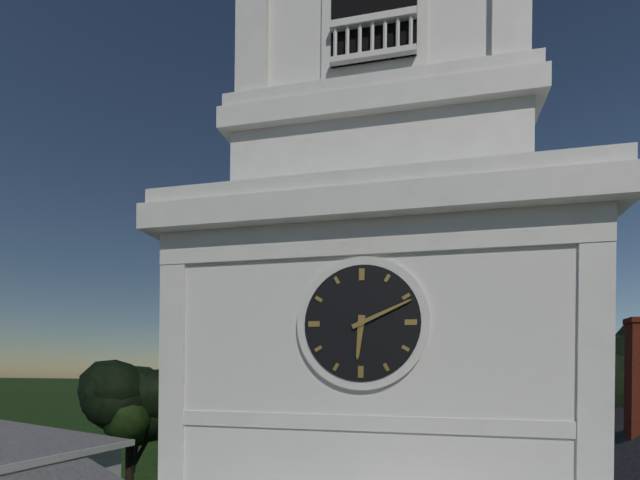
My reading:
6 h 11 min
